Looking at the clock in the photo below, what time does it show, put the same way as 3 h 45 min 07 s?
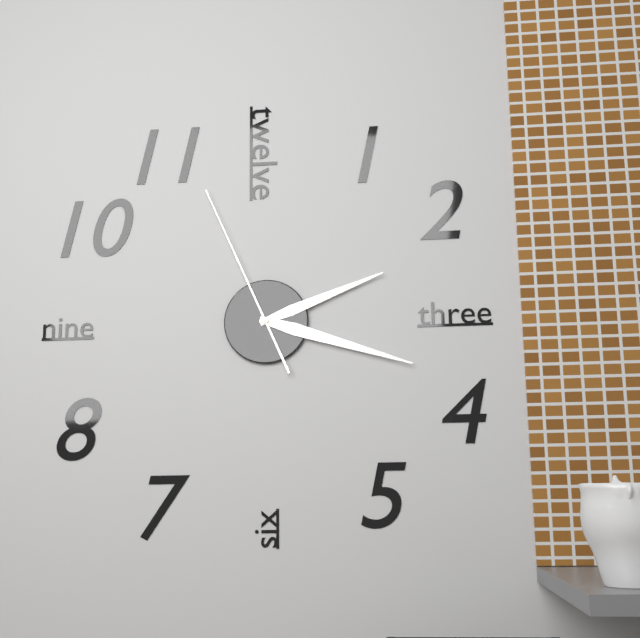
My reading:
2 h 18 min 56 s
